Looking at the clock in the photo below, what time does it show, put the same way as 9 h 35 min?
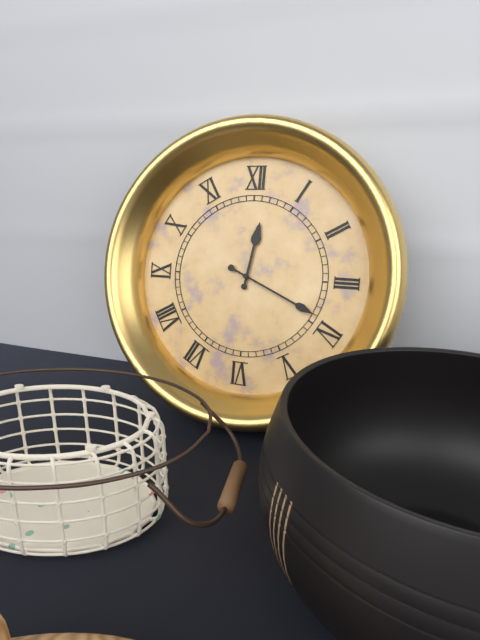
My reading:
12 h 19 min
